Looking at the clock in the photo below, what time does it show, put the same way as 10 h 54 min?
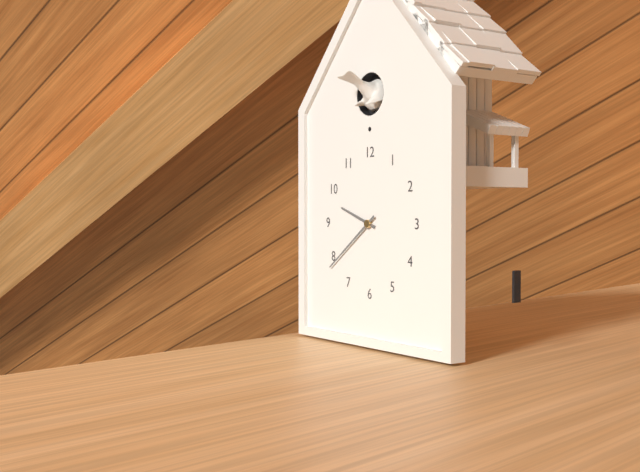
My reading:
9 h 39 min
